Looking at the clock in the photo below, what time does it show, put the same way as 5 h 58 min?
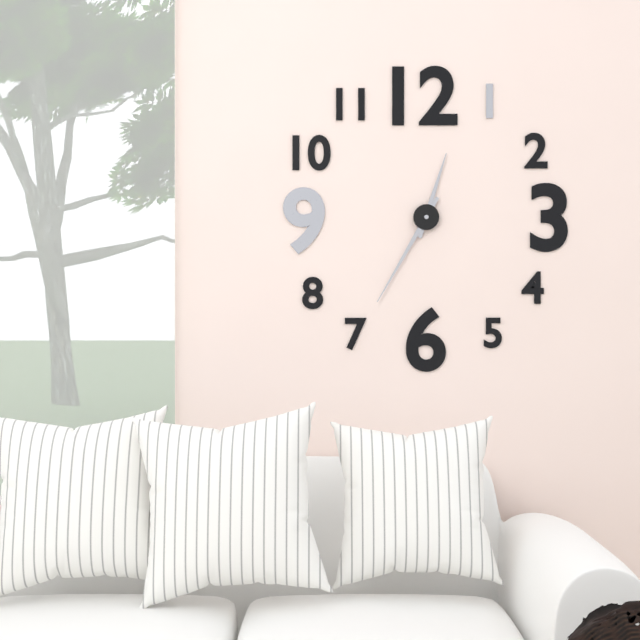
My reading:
12 h 35 min
